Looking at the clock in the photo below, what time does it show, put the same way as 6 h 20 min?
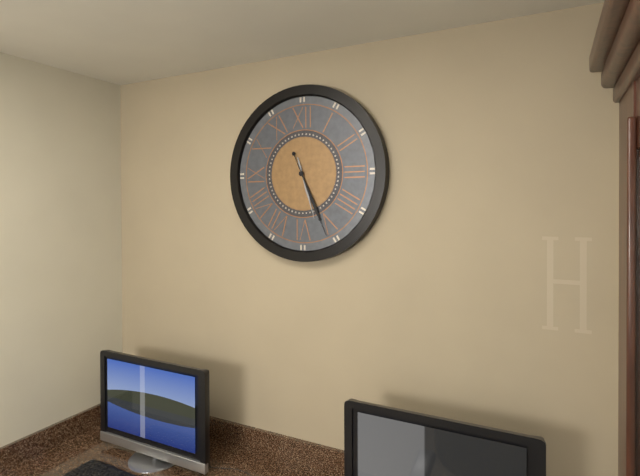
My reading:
5 h 26 min
